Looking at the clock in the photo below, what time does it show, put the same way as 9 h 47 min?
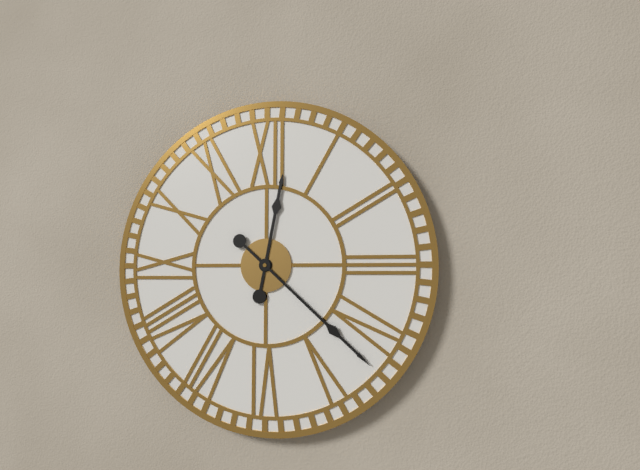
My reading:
12 h 22 min
